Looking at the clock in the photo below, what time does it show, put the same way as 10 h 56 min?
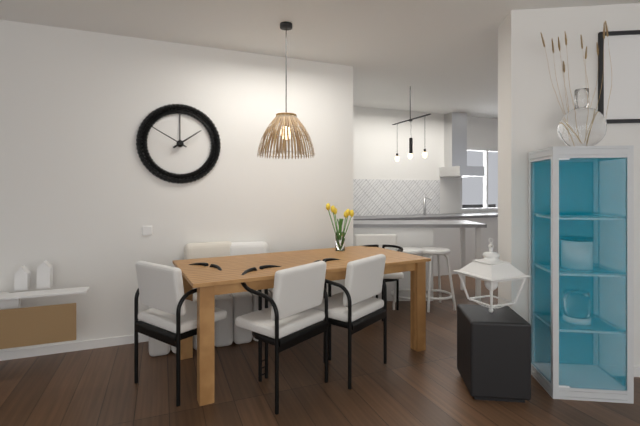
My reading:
1 h 50 min
